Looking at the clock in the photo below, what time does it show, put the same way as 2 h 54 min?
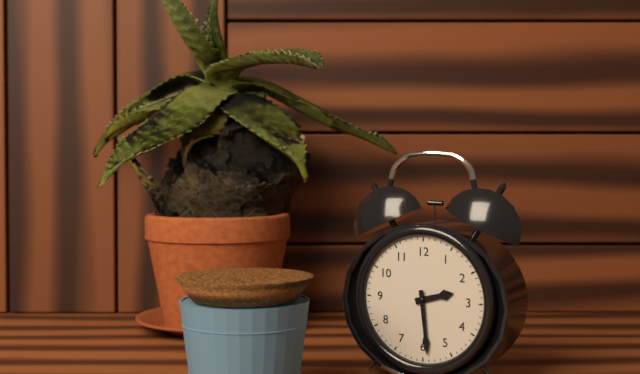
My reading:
2 h 29 min
